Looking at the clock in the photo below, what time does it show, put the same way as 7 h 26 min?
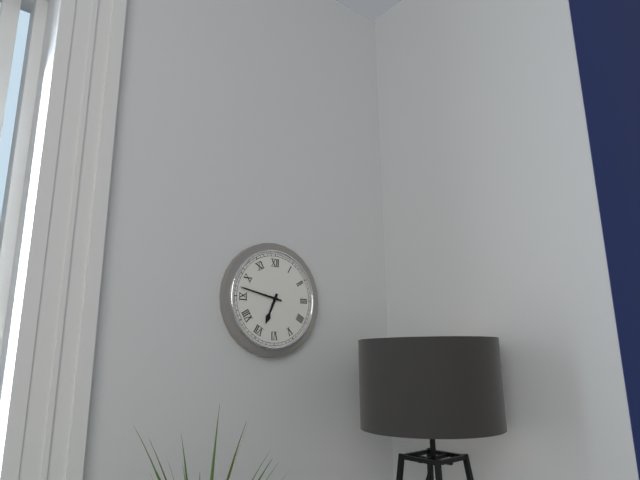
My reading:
6 h 47 min
